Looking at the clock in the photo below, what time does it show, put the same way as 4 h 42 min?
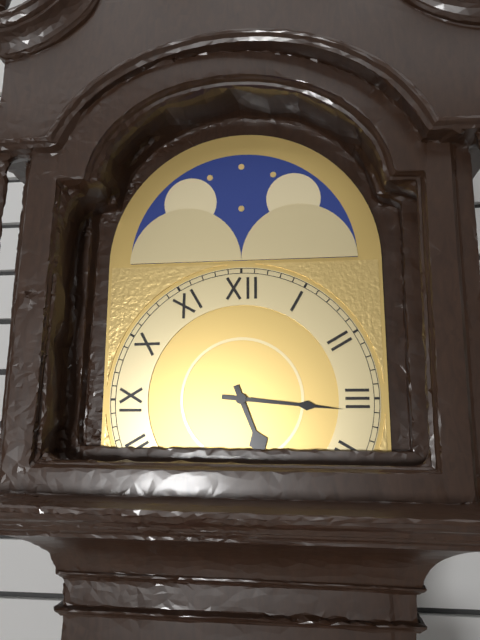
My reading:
5 h 16 min
